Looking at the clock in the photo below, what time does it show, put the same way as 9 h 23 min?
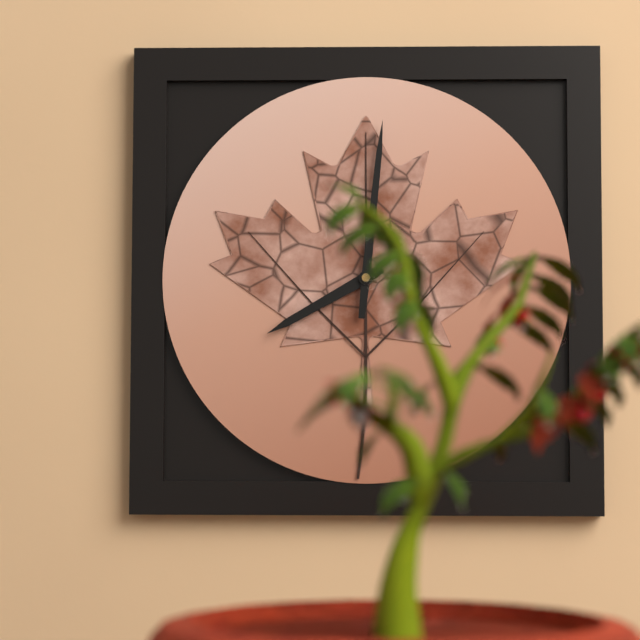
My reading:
8 h 01 min
